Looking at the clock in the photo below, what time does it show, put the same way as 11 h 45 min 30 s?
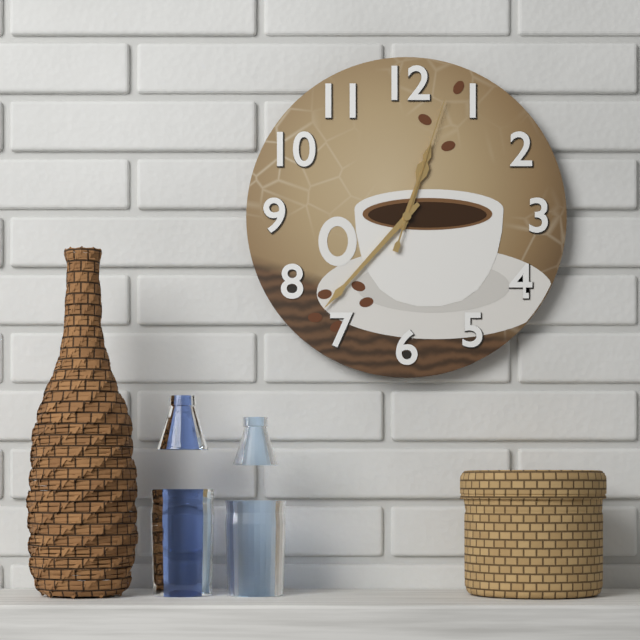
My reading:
12 h 37 min 03 s
